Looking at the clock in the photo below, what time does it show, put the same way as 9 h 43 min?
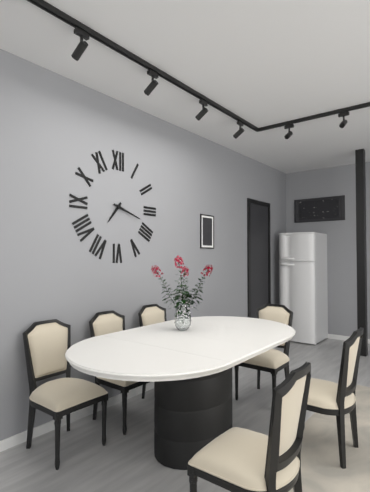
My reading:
7 h 18 min
